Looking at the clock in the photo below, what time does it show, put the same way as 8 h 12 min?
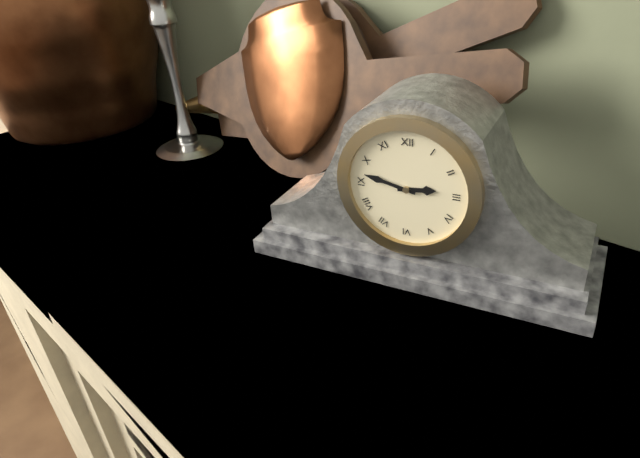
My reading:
2 h 47 min
